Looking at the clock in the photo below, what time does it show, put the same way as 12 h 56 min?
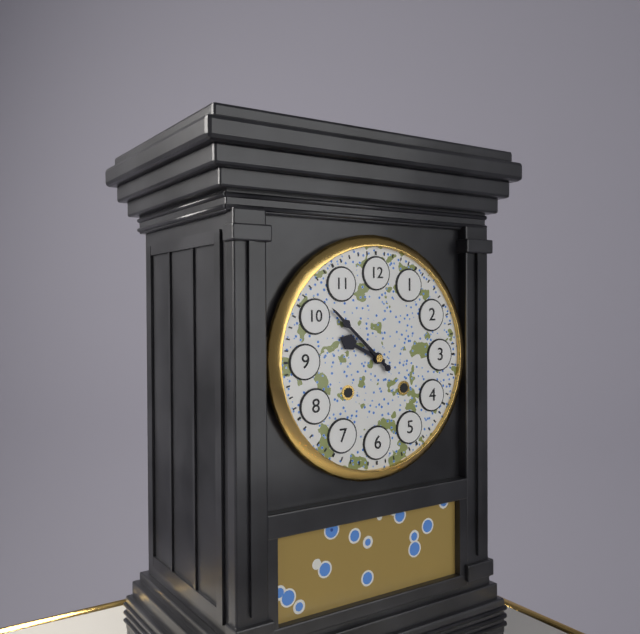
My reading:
9 h 52 min
